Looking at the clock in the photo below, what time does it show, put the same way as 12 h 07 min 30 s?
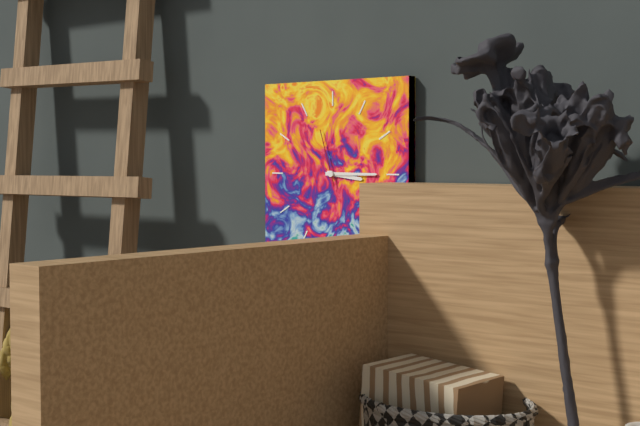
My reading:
3 h 15 min 57 s
